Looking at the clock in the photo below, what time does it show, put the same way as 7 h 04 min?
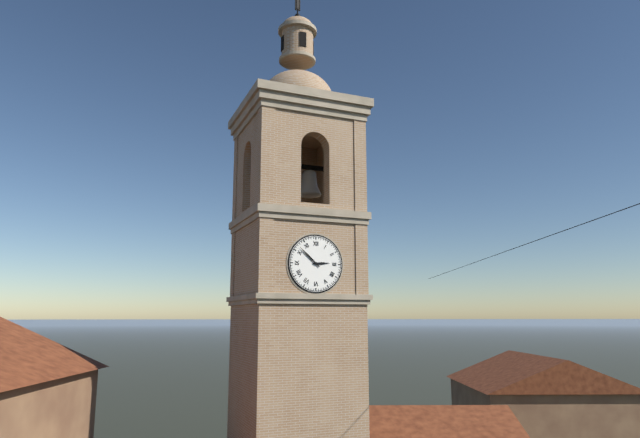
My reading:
2 h 52 min
